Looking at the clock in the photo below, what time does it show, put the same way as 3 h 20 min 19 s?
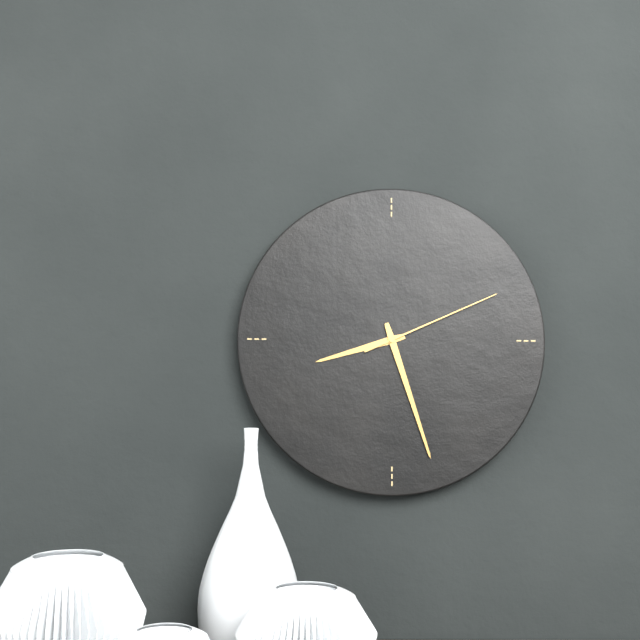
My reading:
8 h 27 min 11 s
